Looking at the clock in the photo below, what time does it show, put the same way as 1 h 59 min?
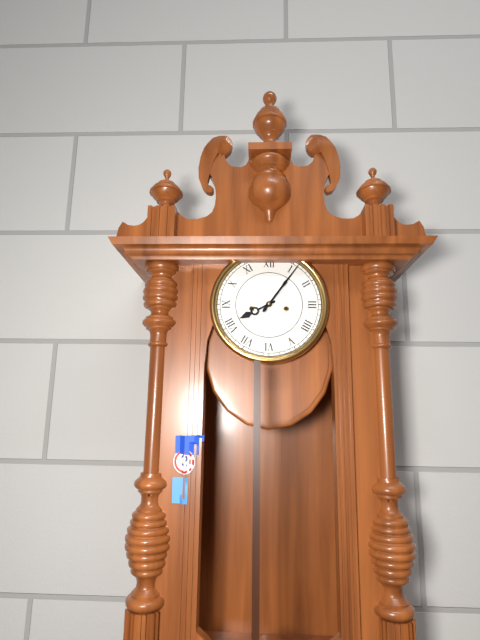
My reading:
8 h 06 min
